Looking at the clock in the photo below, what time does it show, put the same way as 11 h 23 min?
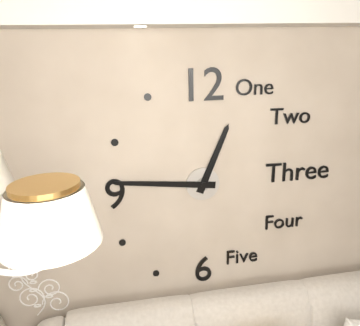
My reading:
12 h 46 min
